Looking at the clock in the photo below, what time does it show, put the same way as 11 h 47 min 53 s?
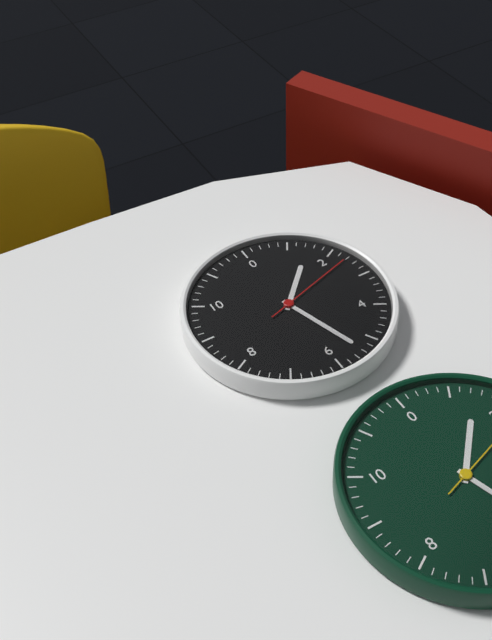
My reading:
1 h 27 min 12 s
